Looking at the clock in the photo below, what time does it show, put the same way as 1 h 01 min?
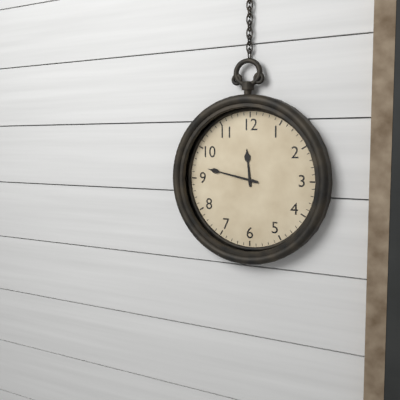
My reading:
11 h 47 min
